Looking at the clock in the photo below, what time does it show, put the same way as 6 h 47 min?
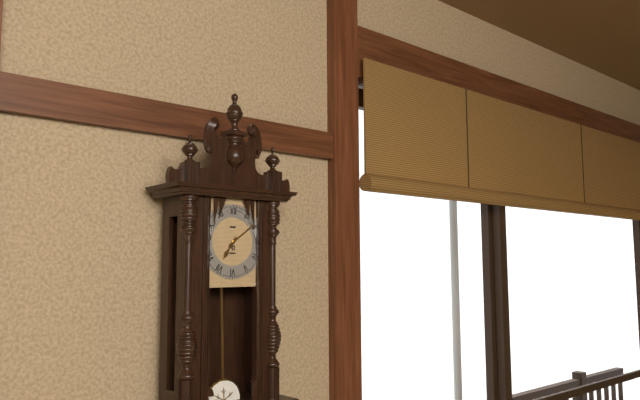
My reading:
7 h 09 min
